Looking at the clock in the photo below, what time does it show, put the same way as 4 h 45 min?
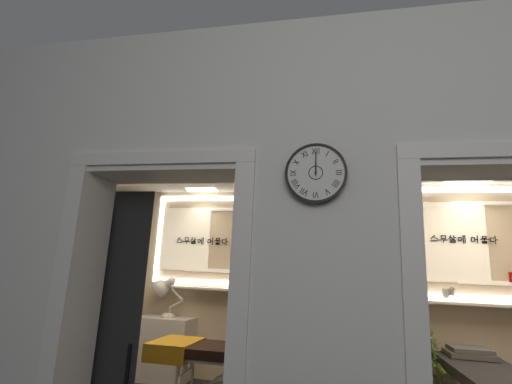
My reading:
12 h 00 min
